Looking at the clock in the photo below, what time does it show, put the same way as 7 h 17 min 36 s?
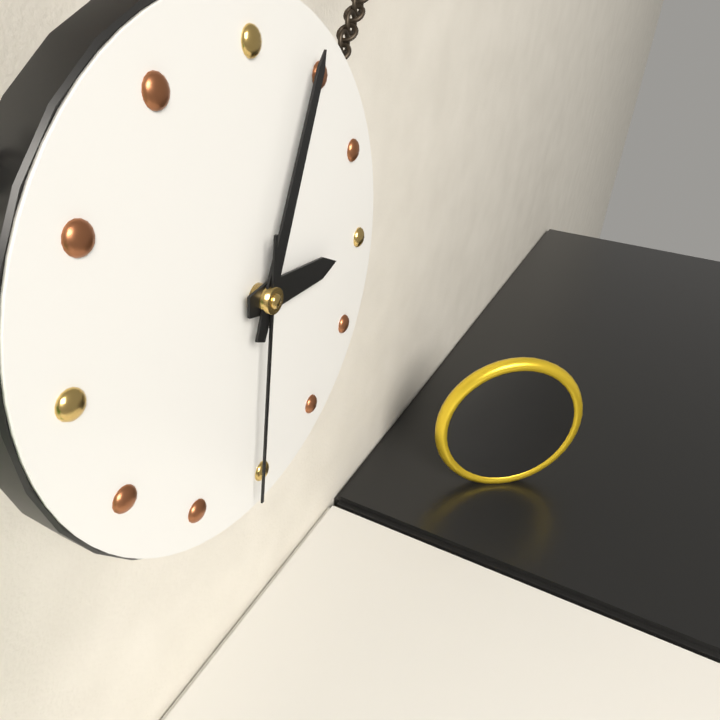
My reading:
3 h 04 min 31 s
